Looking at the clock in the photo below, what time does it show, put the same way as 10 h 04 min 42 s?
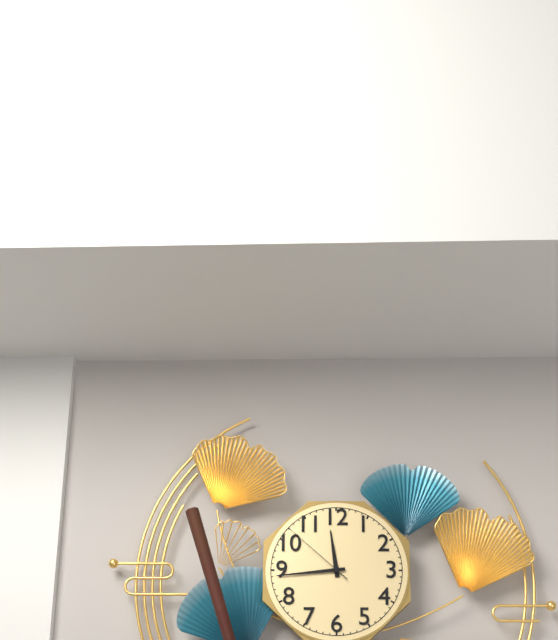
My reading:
11 h 44 min 52 s
